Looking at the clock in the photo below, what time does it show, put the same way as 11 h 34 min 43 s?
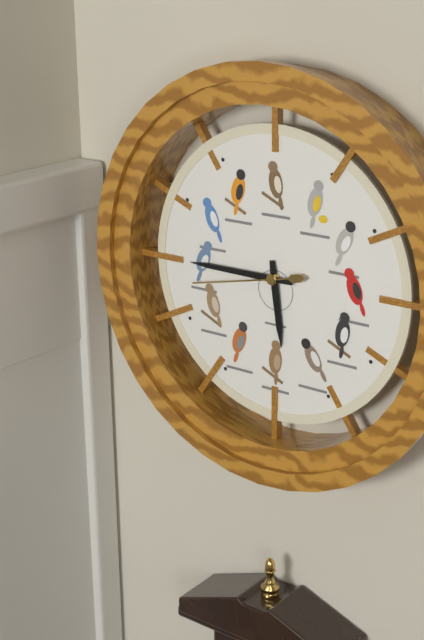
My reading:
5 h 45 min 43 s
